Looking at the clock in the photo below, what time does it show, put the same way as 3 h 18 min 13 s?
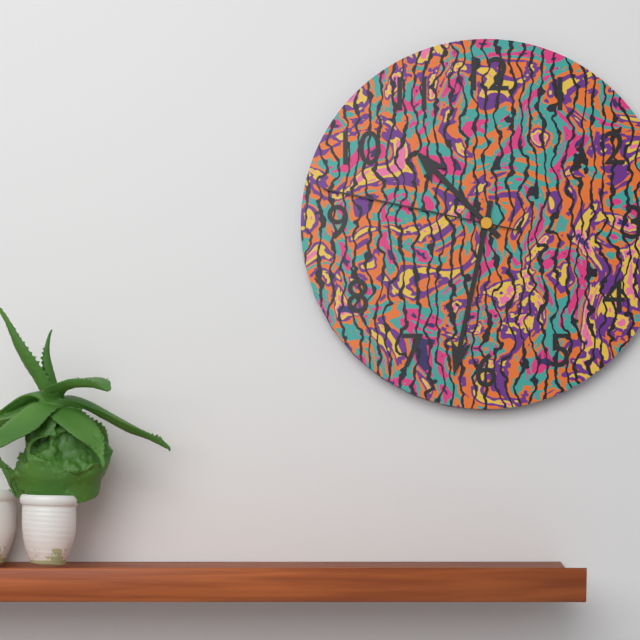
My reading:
10 h 32 min 47 s
